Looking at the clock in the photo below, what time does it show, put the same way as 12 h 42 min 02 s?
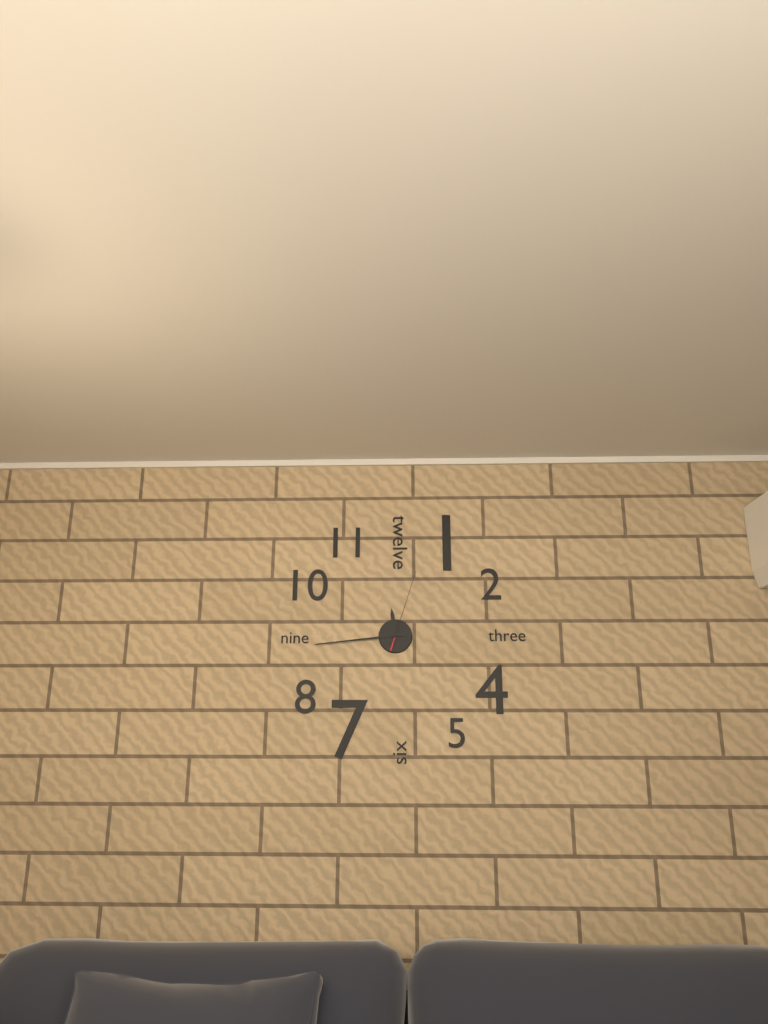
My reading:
11 h 44 min 03 s
